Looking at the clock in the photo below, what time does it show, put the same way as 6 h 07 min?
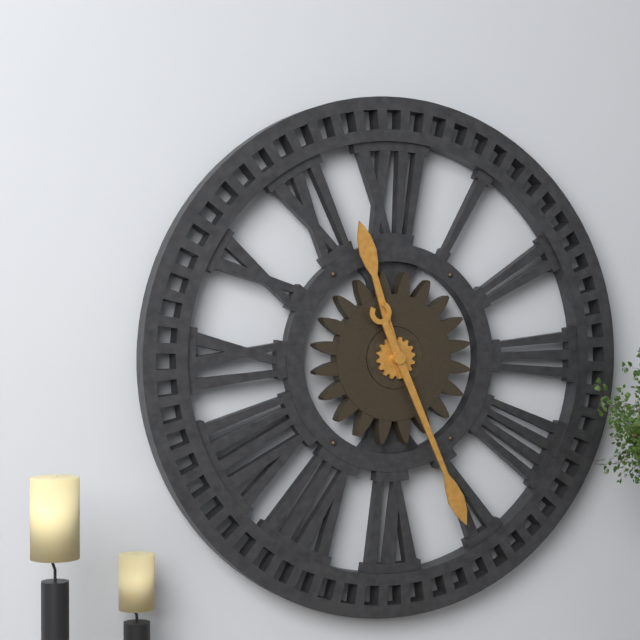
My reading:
11 h 26 min
